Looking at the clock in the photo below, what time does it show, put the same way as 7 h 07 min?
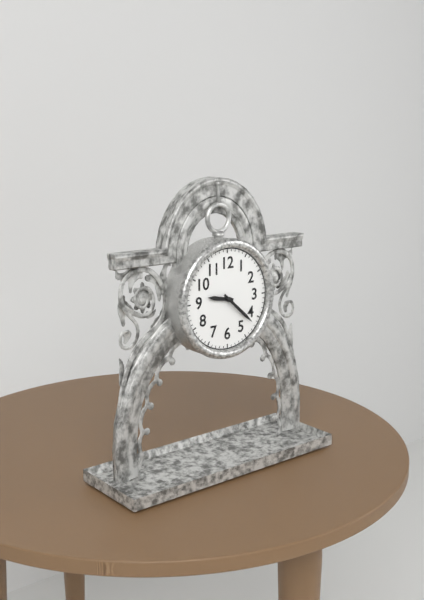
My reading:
9 h 22 min
